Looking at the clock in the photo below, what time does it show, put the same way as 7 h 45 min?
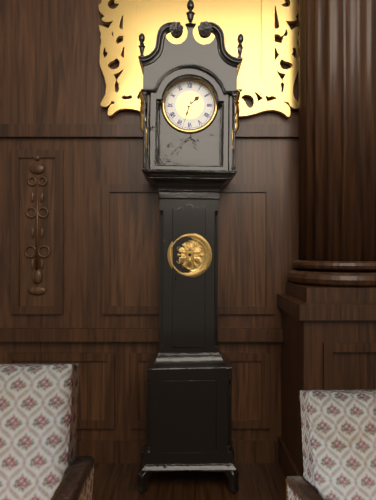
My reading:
1 h 33 min
